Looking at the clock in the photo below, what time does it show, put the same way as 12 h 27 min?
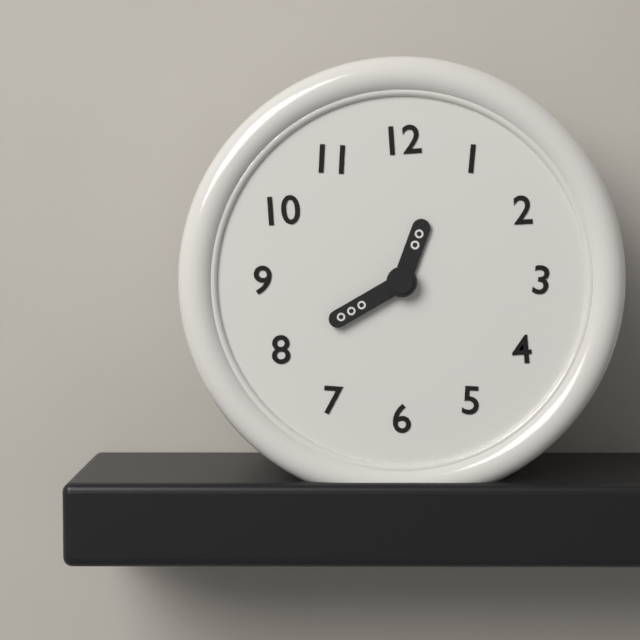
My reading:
12 h 40 min
